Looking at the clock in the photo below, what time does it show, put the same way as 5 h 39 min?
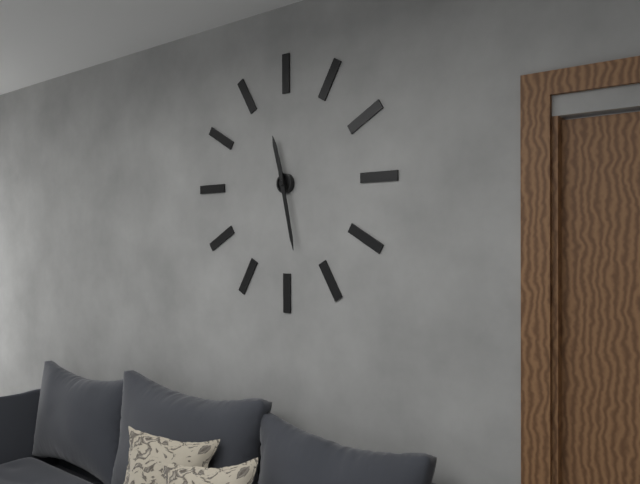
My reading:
11 h 28 min
